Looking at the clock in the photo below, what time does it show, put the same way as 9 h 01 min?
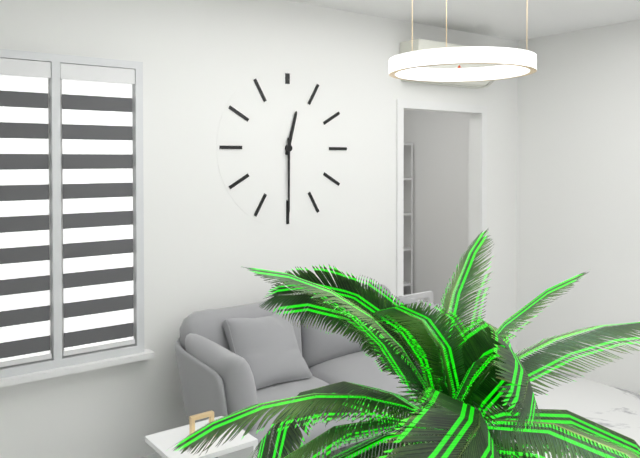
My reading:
12 h 30 min
